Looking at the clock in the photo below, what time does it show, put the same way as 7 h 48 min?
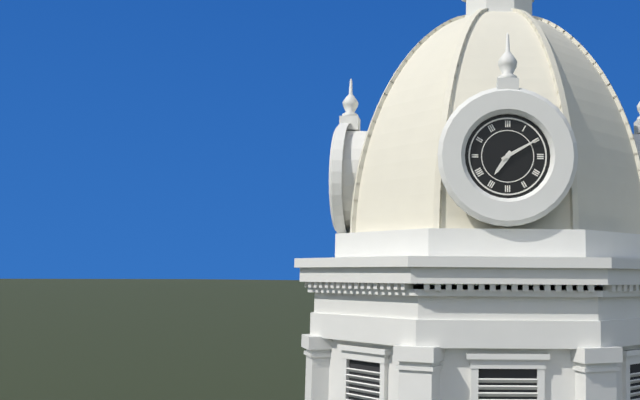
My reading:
7 h 10 min
